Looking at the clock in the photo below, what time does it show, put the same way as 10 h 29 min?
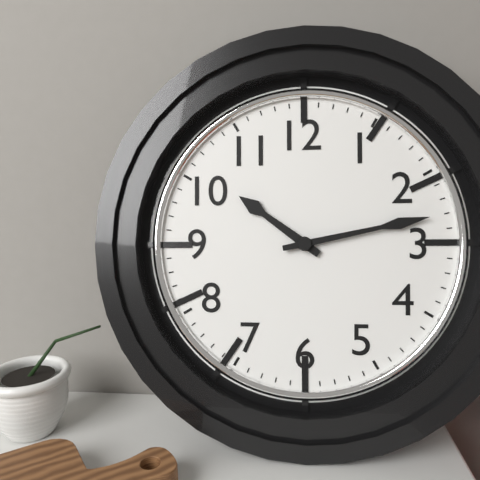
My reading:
10 h 13 min
